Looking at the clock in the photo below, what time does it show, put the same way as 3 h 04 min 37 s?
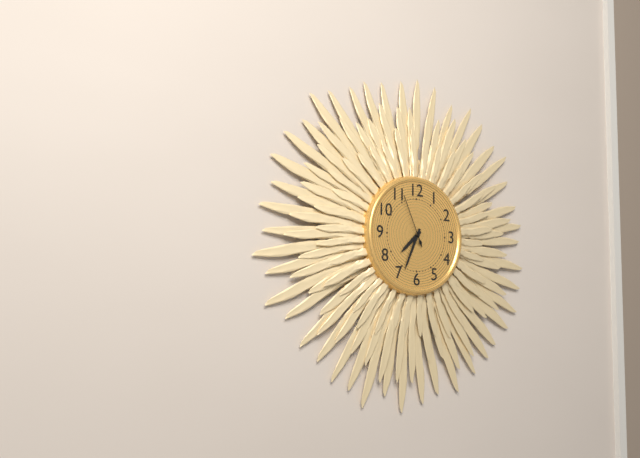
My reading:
7 h 34 min 56 s
